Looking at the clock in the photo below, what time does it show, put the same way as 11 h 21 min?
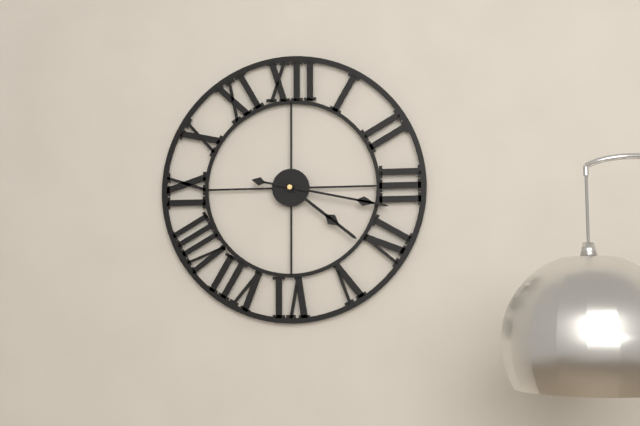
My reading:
4 h 17 min
